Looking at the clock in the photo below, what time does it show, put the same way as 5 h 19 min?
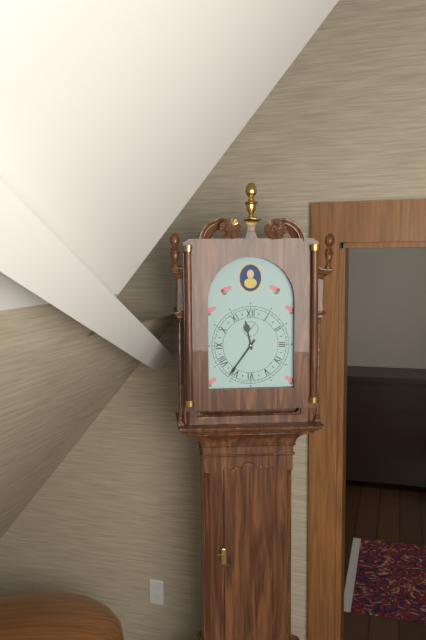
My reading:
11 h 36 min
